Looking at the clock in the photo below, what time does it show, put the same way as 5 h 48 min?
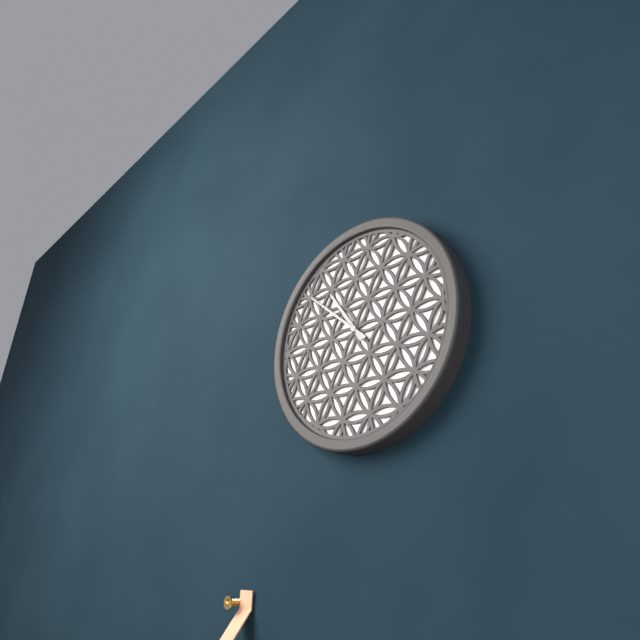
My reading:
10 h 52 min
